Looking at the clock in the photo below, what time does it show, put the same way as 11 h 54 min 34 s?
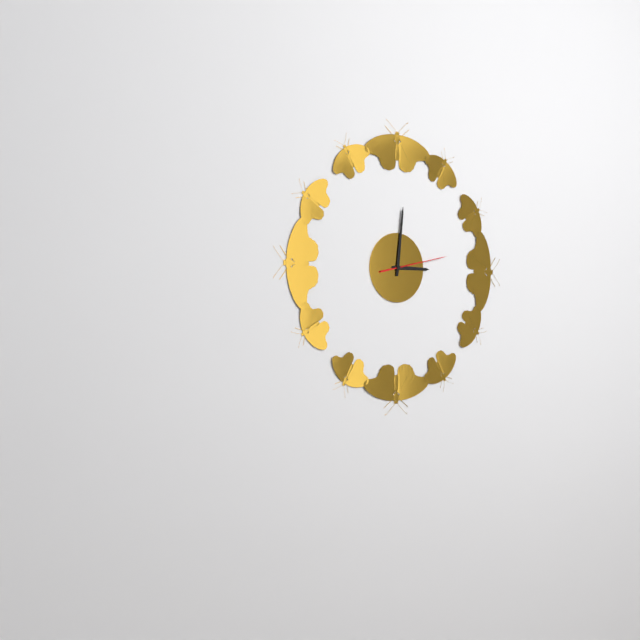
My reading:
3 h 01 min 13 s
